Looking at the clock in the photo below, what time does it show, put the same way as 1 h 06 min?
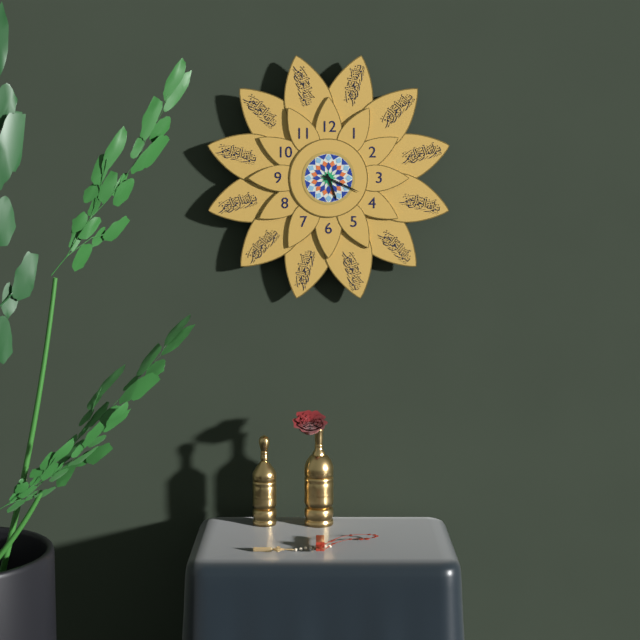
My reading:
5 h 19 min
